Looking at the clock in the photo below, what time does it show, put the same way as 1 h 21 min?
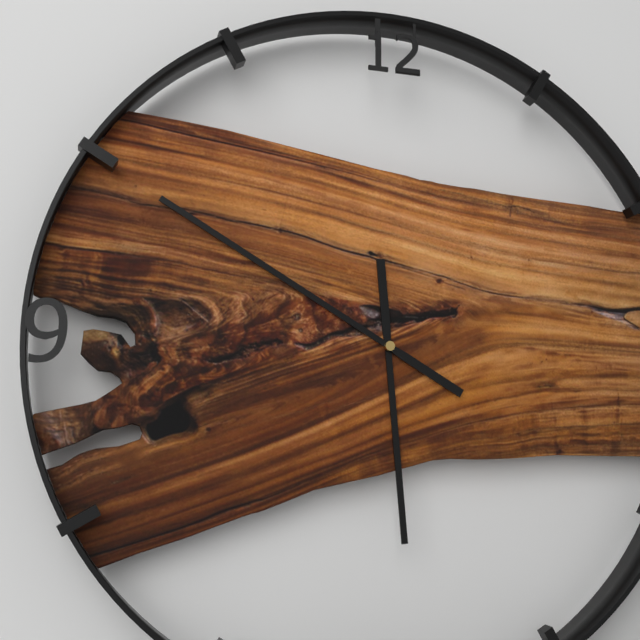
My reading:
5 h 50 min
